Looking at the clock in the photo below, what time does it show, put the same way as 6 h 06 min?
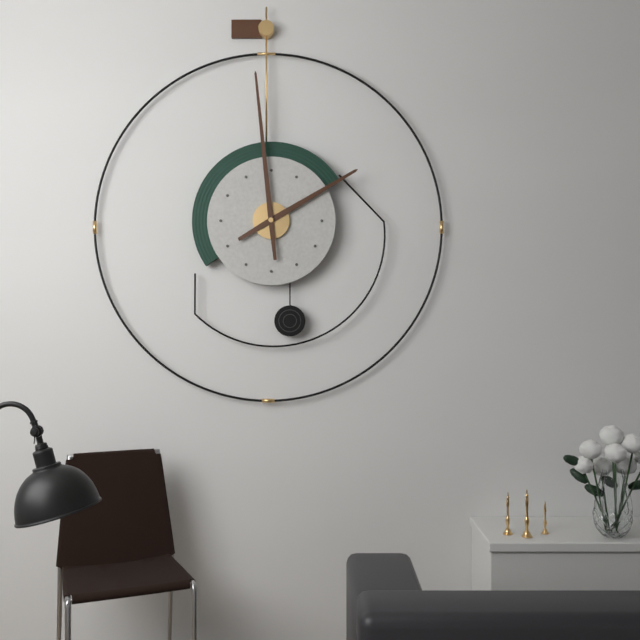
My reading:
1 h 59 min
